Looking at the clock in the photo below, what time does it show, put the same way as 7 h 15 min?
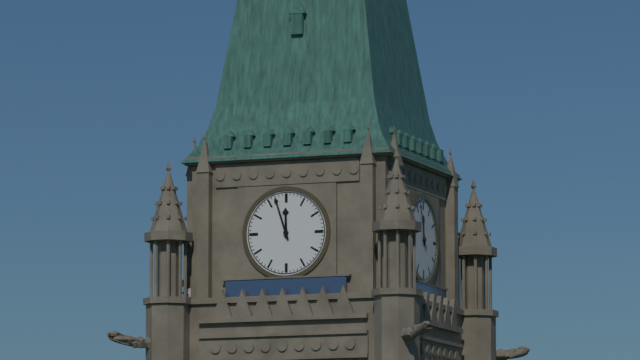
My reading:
11 h 57 min
